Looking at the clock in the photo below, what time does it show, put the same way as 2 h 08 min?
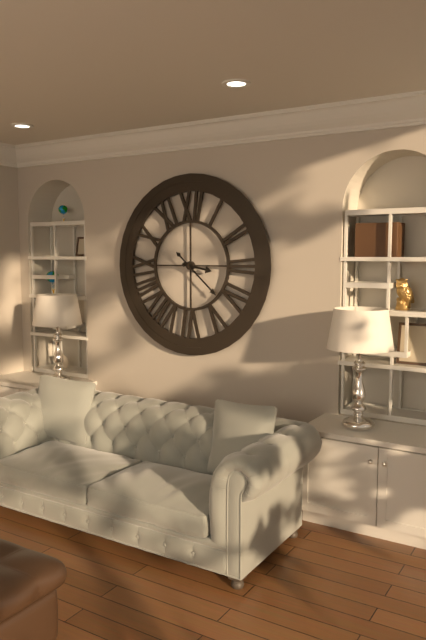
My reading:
3 h 22 min
